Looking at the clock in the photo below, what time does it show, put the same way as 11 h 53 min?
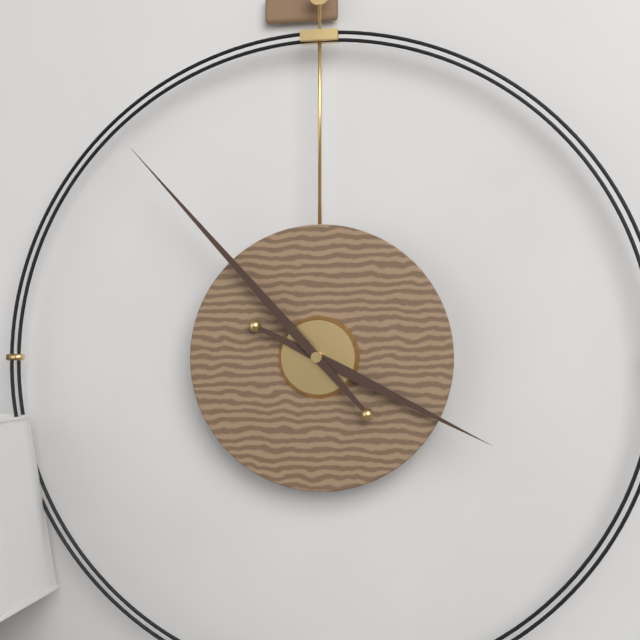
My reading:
3 h 53 min
